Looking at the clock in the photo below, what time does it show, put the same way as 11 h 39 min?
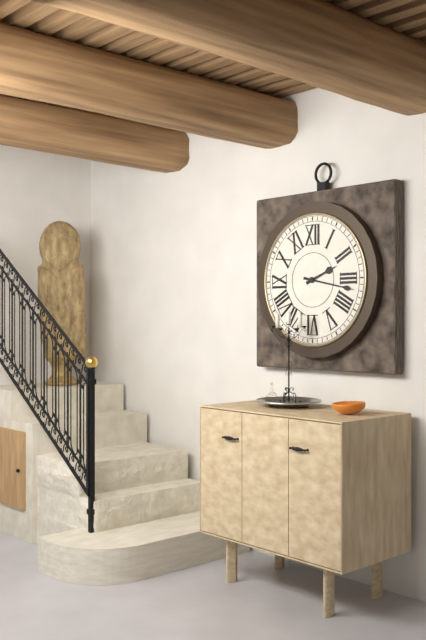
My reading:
2 h 17 min
